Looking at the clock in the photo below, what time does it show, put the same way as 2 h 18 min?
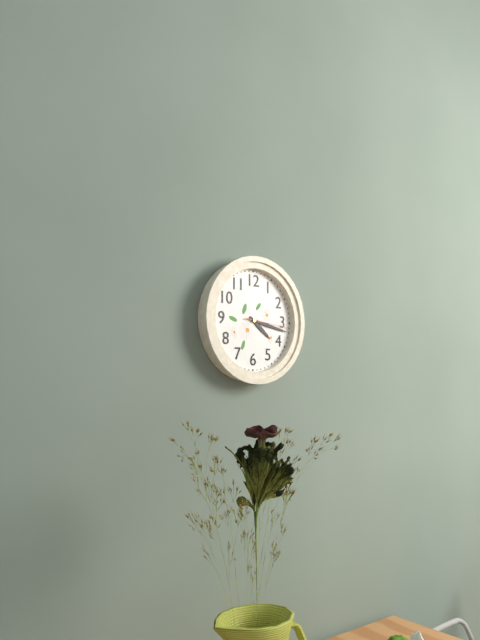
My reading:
4 h 17 min
